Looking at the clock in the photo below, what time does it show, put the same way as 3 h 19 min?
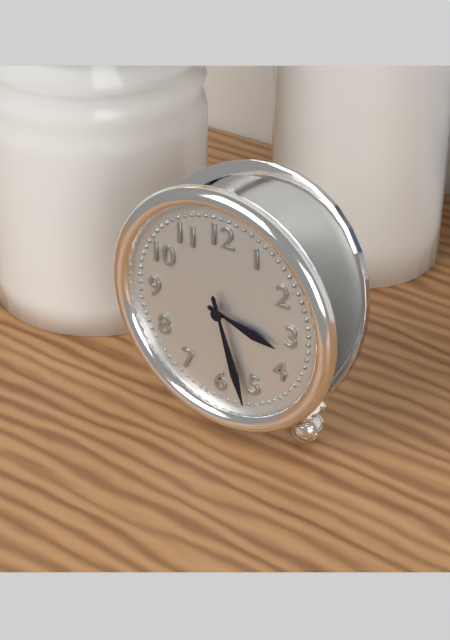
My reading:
3 h 27 min
